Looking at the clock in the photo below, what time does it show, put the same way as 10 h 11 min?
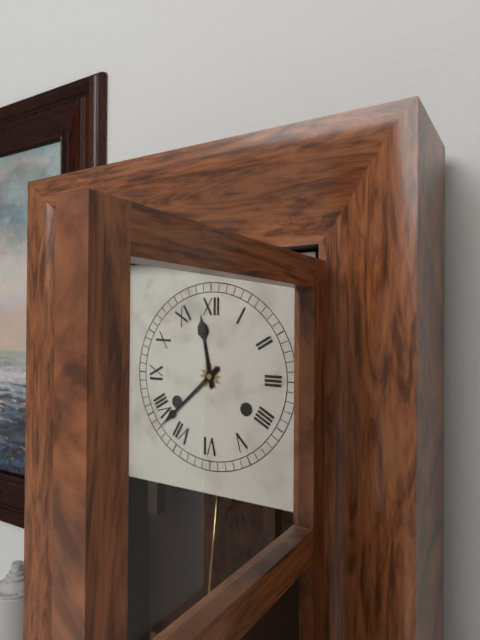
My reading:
11 h 38 min
